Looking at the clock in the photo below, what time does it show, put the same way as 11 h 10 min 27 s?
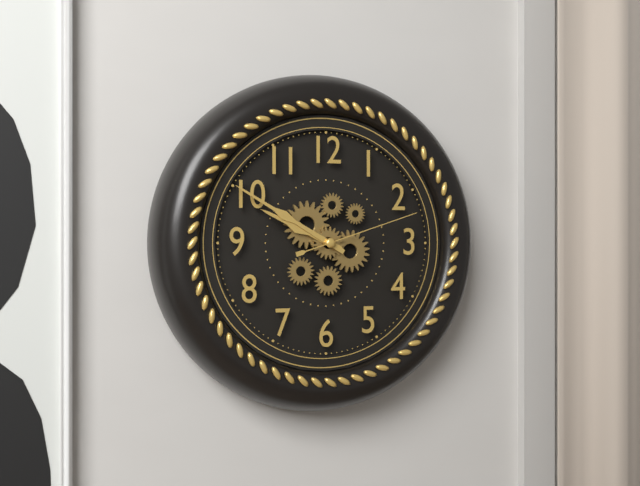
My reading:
9 h 50 min 12 s
